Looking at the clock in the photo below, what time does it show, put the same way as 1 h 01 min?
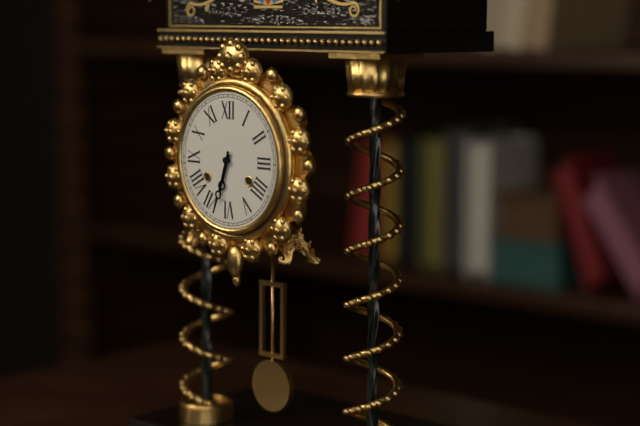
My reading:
6 h 33 min
